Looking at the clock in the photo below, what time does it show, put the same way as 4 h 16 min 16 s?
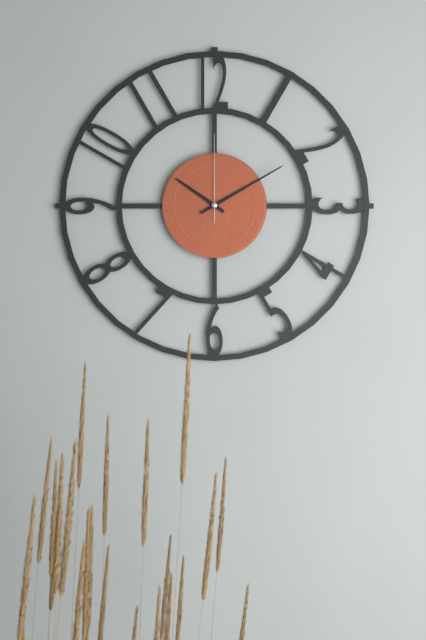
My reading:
10 h 10 min 00 s
